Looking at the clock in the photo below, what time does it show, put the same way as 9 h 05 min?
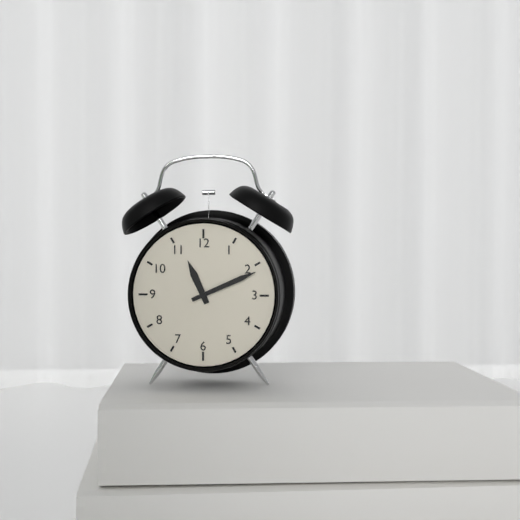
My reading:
11 h 11 min
